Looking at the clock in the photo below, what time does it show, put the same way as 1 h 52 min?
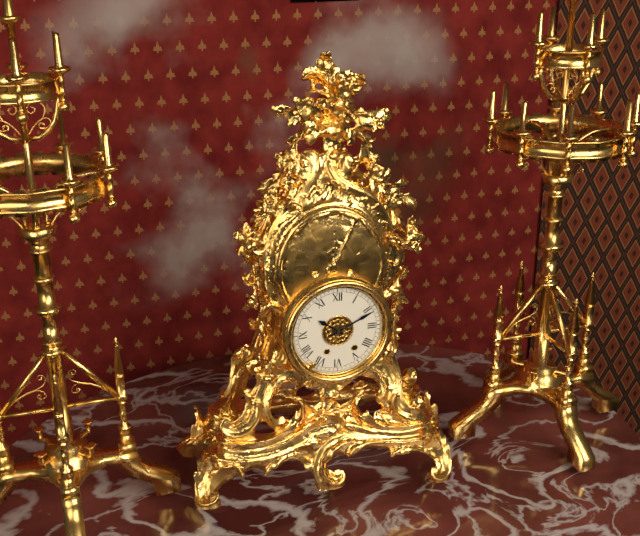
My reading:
10 h 11 min
